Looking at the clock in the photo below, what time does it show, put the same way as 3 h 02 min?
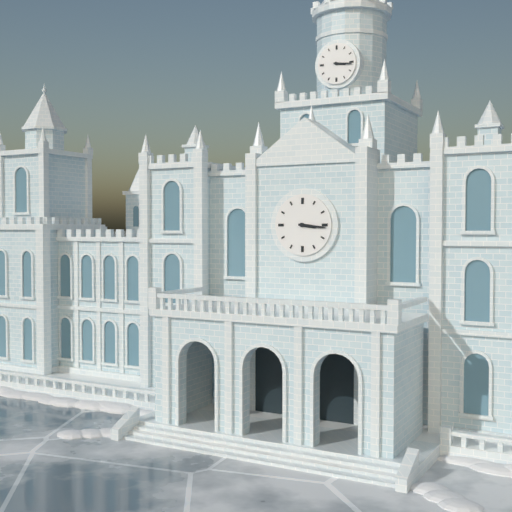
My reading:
3 h 16 min
